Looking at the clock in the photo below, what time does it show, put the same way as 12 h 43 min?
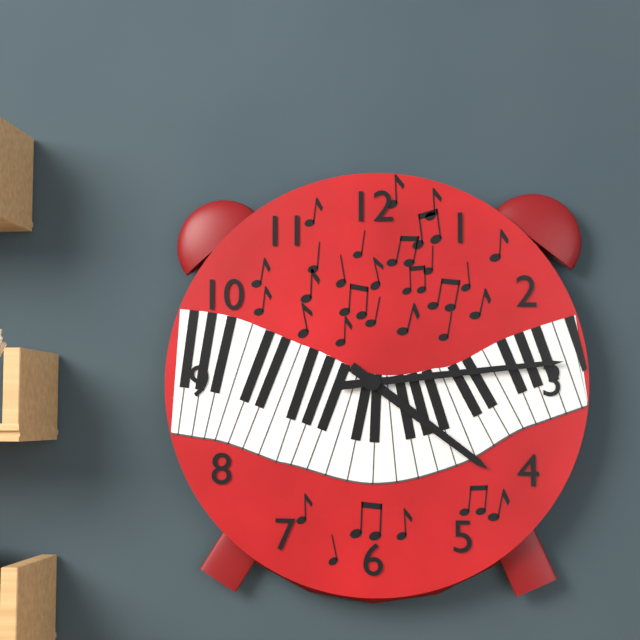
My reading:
4 h 14 min
